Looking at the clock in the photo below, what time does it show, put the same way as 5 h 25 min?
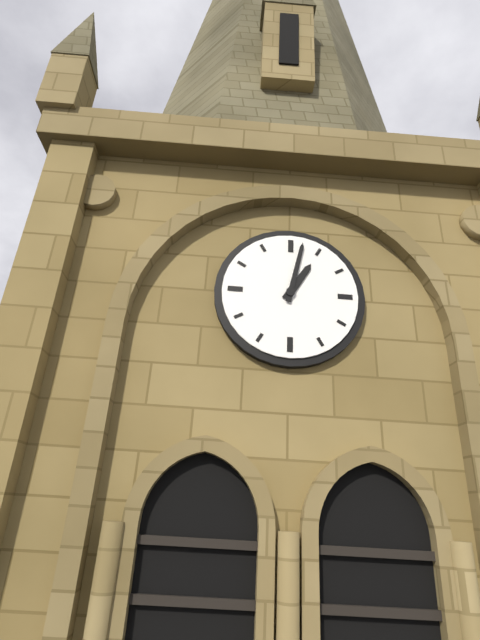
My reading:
1 h 02 min
